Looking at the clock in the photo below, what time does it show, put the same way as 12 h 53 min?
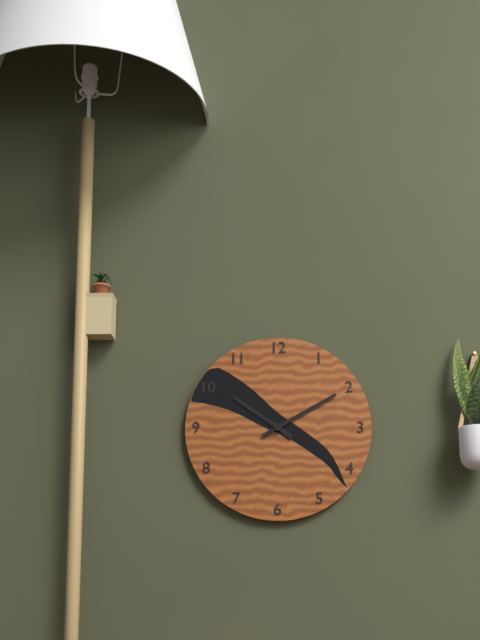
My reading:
10 h 10 min
